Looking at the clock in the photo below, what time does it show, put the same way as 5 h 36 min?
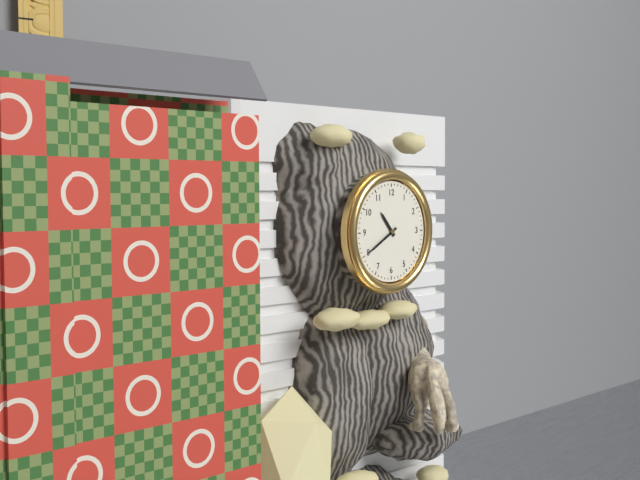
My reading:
10 h 40 min
